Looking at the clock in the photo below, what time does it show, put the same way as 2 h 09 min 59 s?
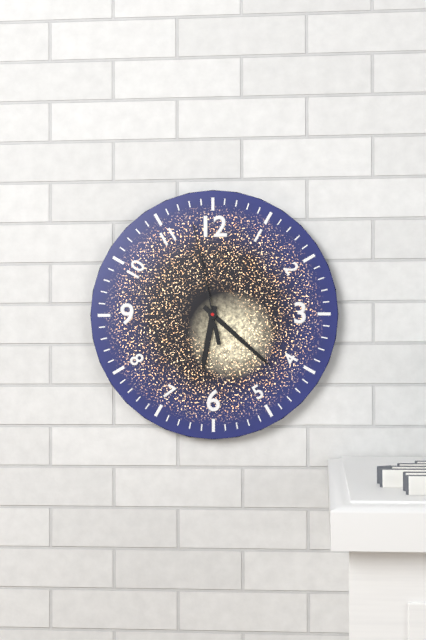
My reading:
6 h 22 min 58 s
